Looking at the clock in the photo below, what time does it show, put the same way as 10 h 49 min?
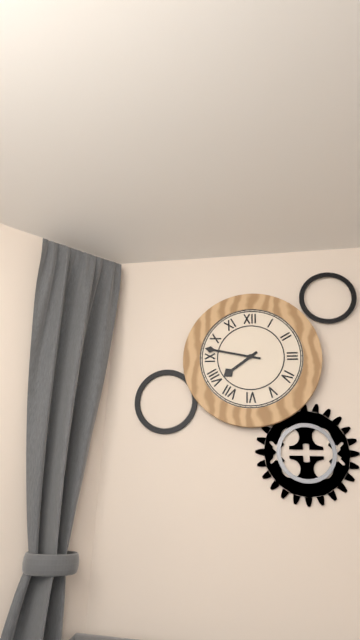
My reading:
7 h 47 min
